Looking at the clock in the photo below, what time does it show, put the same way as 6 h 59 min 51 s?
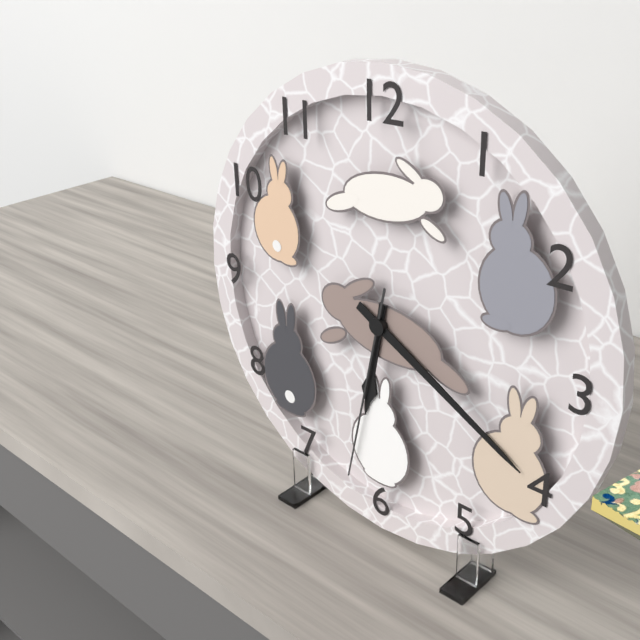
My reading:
6 h 20 min 32 s
